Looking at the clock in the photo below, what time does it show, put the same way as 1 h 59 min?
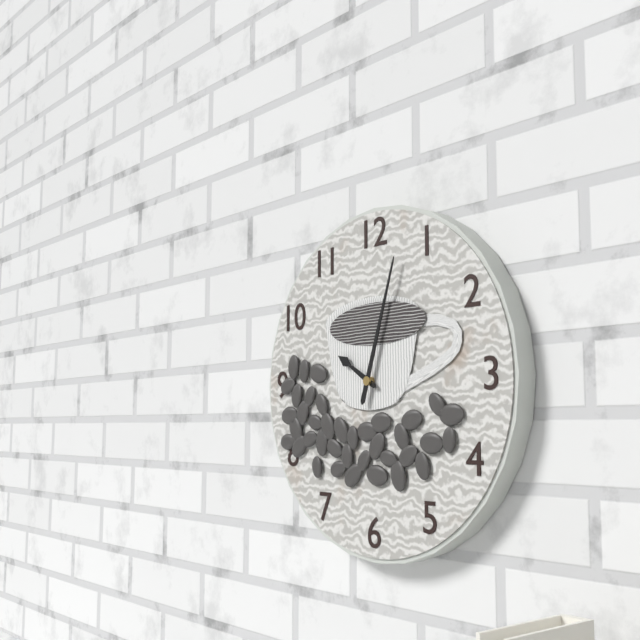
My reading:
10 h 03 min
